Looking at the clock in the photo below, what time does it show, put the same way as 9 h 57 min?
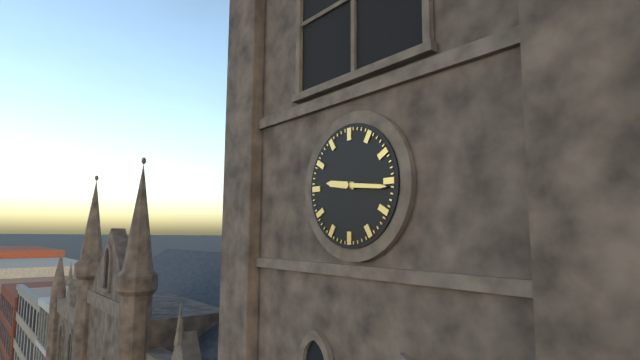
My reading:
9 h 16 min
